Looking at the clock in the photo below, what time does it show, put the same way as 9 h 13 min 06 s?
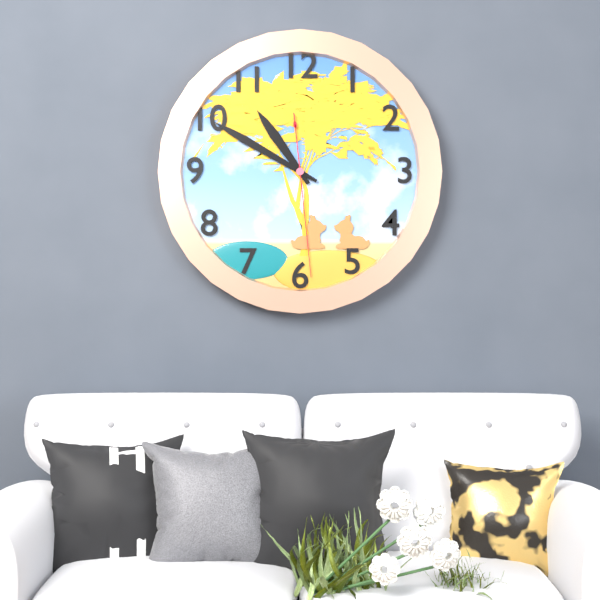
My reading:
10 h 50 min 29 s
